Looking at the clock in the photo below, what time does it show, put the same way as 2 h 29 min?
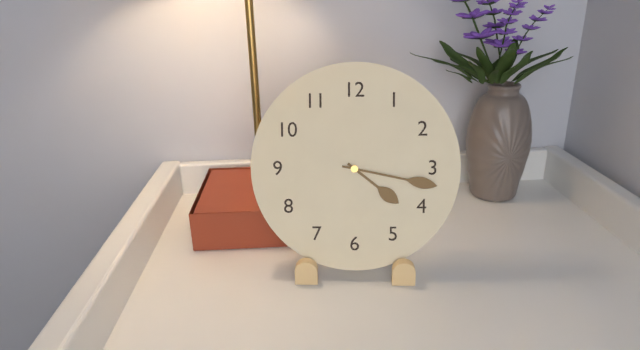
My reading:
4 h 17 min
